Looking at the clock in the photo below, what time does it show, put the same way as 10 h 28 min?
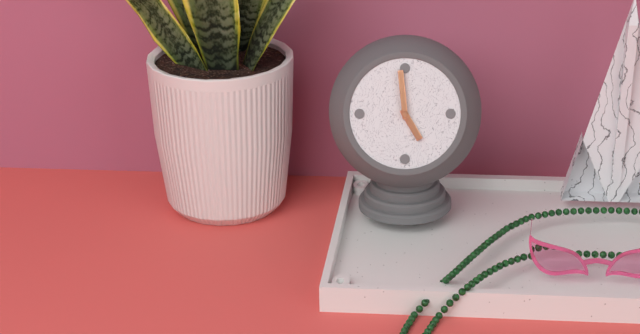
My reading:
4 h 59 min
